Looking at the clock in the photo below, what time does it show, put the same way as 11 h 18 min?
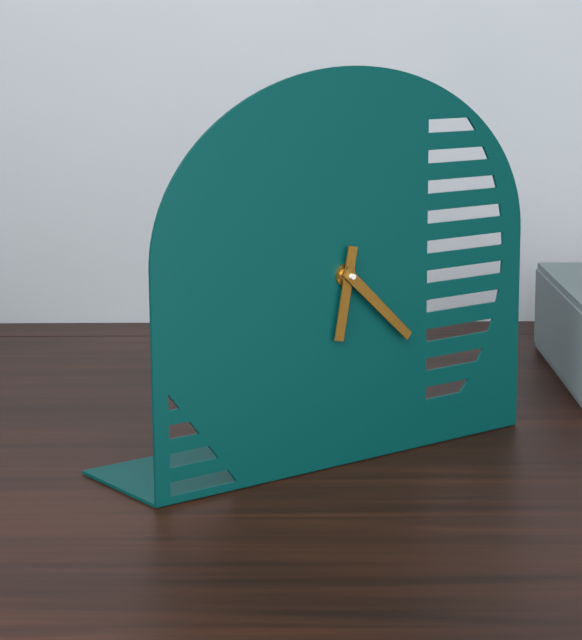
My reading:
6 h 22 min
